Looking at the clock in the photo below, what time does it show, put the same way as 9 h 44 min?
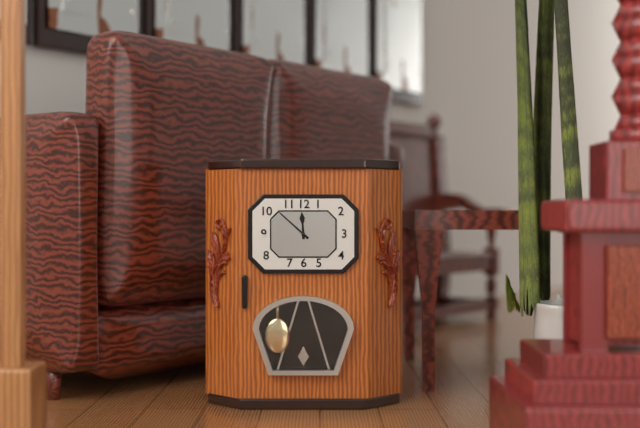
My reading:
11 h 52 min
